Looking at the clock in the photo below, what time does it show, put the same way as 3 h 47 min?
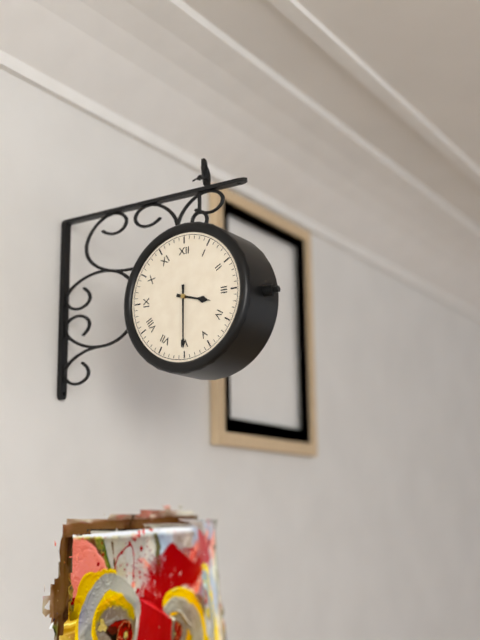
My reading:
3 h 30 min
